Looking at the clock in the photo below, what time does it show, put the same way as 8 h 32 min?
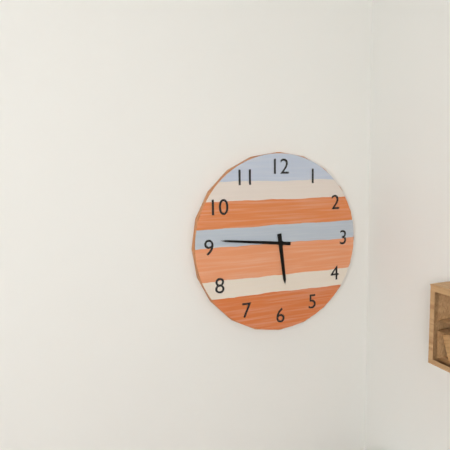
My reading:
5 h 46 min
